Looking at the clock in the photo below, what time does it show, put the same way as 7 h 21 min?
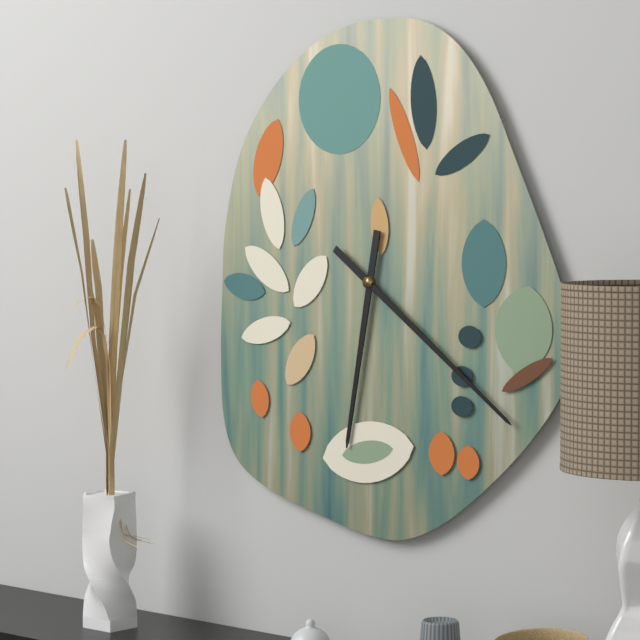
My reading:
6 h 21 min
